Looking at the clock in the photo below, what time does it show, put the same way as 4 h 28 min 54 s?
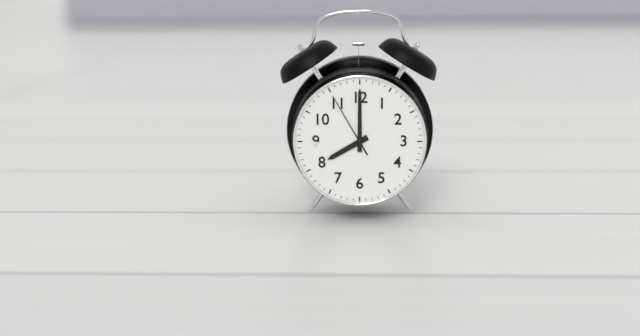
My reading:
8 h 00 min 55 s
